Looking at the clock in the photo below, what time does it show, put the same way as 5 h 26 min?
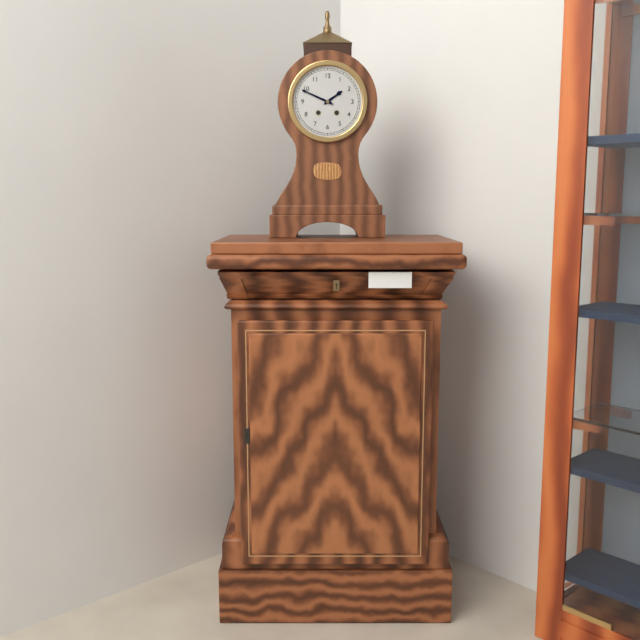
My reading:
1 h 49 min
